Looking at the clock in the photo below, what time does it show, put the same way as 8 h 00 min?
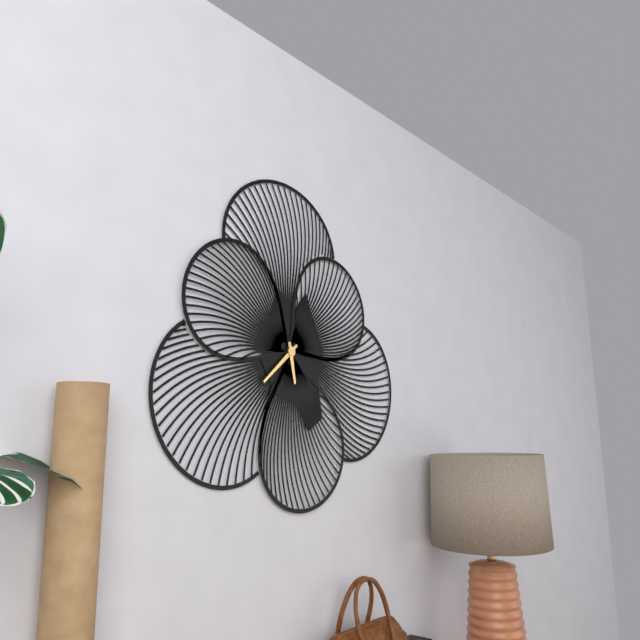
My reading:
5 h 38 min
